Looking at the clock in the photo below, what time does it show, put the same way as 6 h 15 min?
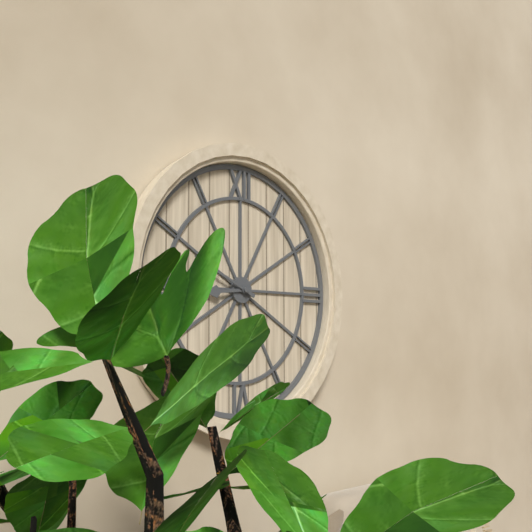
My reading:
8 h 49 min
